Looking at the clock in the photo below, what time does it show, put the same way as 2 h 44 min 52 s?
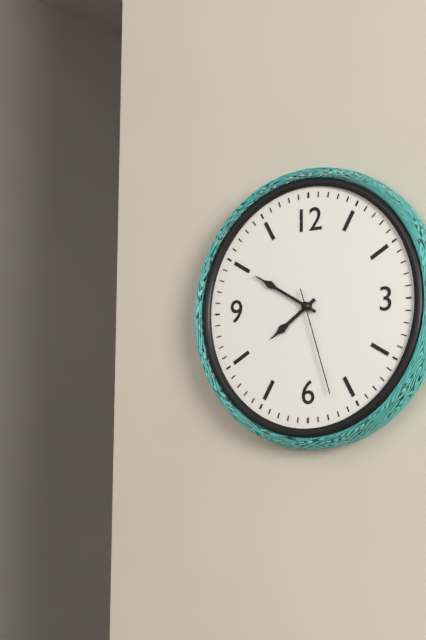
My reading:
7 h 50 min 27 s
